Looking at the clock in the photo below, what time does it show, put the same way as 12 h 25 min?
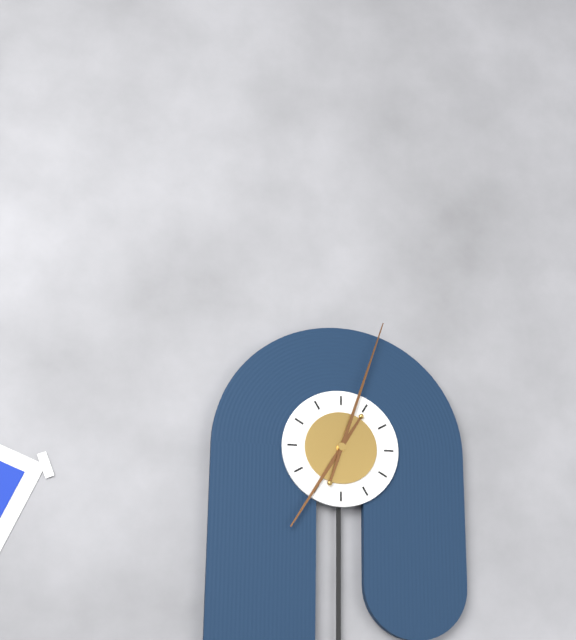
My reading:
7 h 03 min
